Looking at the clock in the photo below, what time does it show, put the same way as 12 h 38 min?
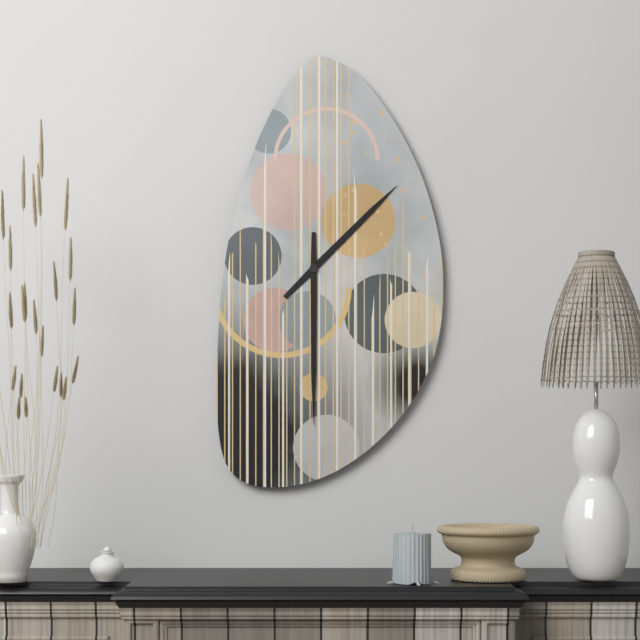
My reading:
1 h 30 min
